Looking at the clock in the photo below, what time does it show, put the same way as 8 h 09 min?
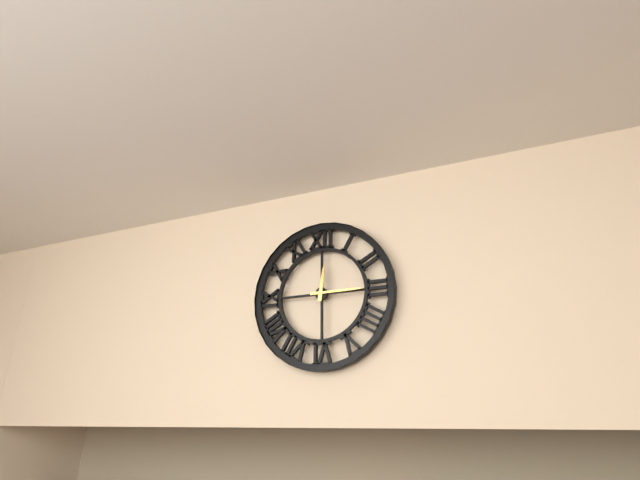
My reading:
12 h 15 min
